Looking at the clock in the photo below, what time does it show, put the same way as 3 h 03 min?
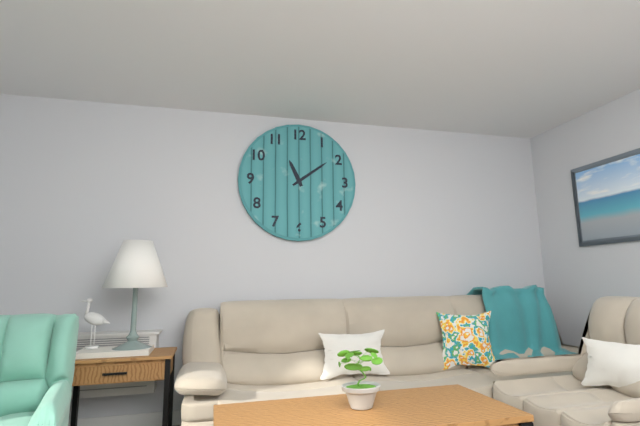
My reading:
11 h 09 min
